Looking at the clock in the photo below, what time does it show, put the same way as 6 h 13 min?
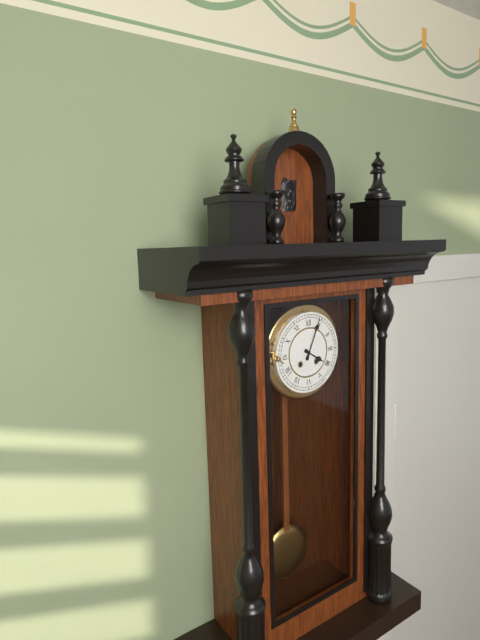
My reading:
4 h 04 min
